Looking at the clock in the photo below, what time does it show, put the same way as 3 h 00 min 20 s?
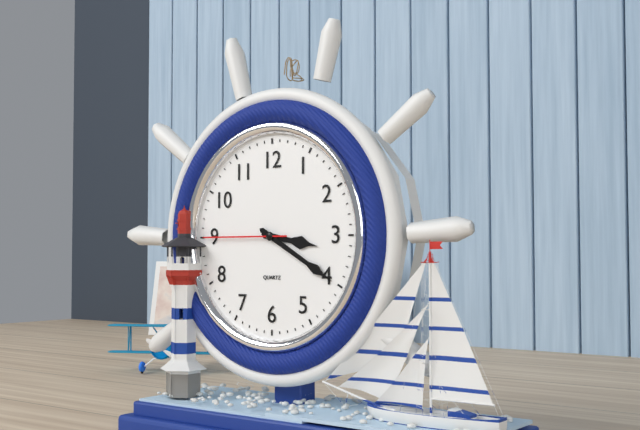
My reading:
3 h 20 min 45 s
